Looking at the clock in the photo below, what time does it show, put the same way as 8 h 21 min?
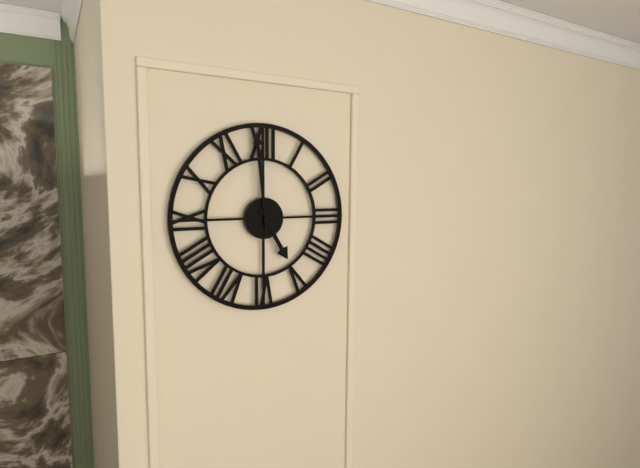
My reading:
4 h 59 min
